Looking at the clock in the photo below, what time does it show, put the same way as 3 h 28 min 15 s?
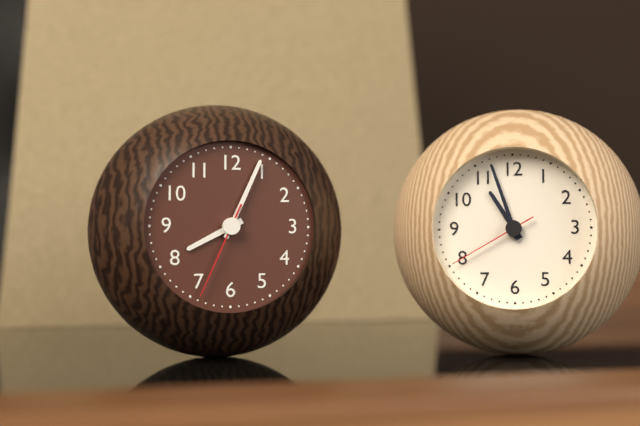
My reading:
8 h 04 min 34 s
